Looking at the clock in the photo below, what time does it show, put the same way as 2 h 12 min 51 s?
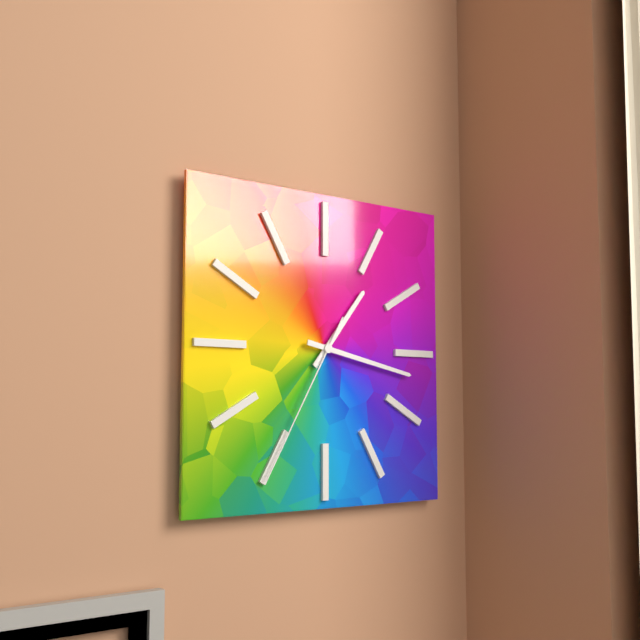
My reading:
1 h 17 min 35 s
